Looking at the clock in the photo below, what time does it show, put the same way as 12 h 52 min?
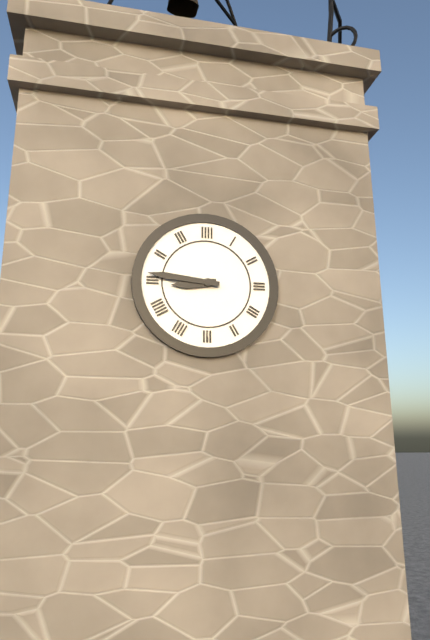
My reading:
8 h 46 min
